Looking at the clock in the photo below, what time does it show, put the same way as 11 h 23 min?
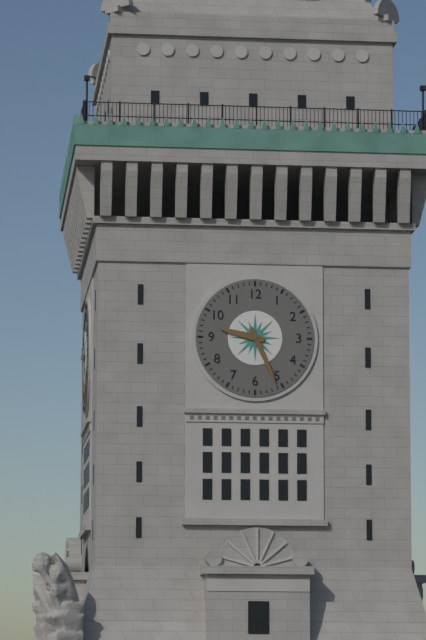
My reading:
9 h 26 min
